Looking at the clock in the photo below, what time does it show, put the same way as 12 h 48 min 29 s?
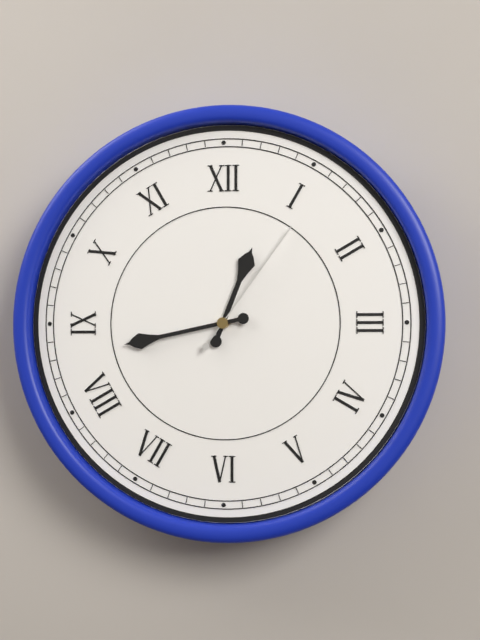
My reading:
12 h 43 min 06 s
